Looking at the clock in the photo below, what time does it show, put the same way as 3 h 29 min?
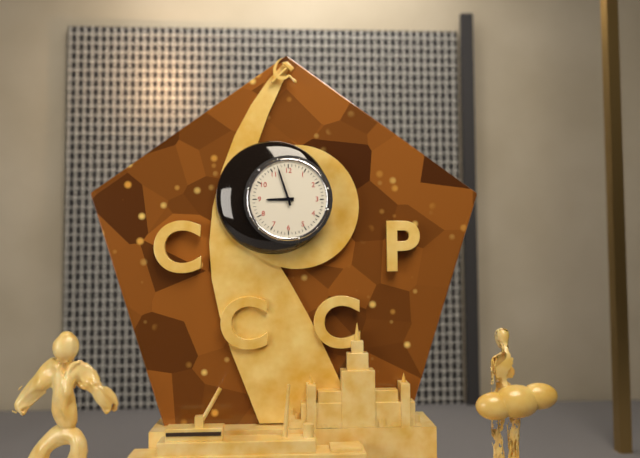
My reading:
8 h 57 min
